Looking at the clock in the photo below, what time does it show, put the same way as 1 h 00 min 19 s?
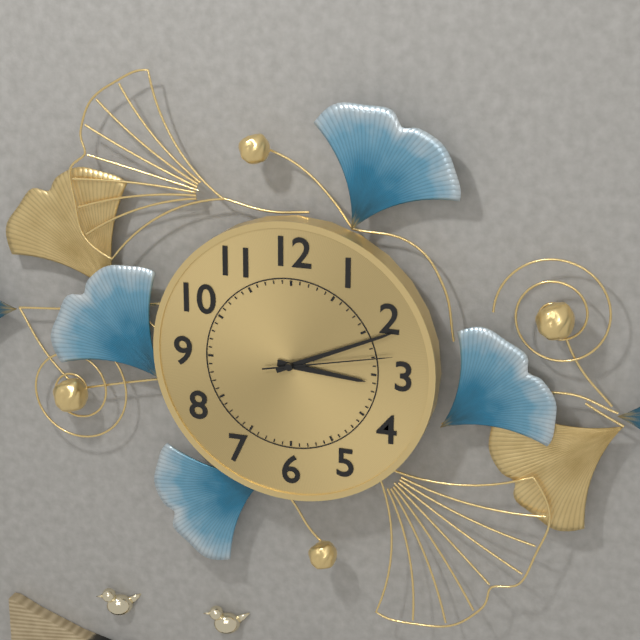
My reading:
3 h 11 min 13 s
